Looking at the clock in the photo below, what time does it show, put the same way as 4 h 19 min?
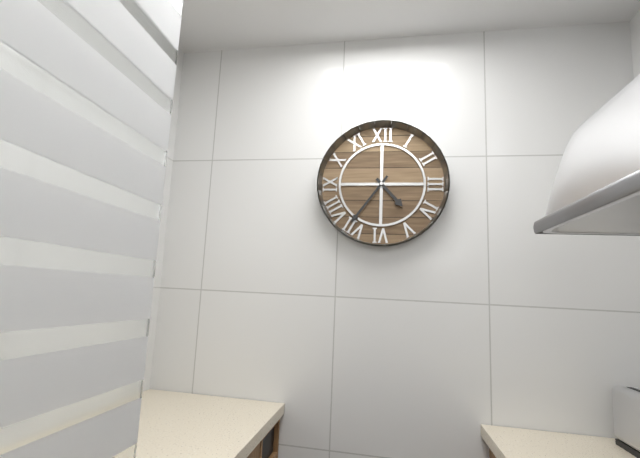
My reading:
4 h 36 min
